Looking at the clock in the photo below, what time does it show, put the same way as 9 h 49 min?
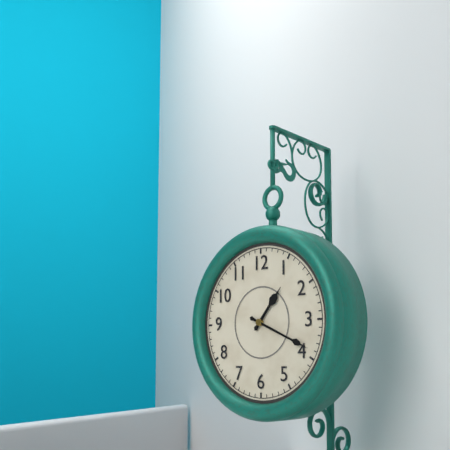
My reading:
1 h 19 min
